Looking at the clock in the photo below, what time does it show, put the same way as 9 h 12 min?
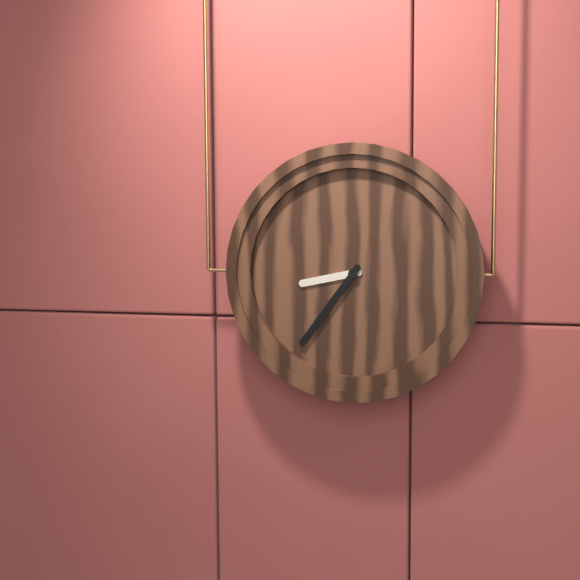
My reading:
8 h 36 min
